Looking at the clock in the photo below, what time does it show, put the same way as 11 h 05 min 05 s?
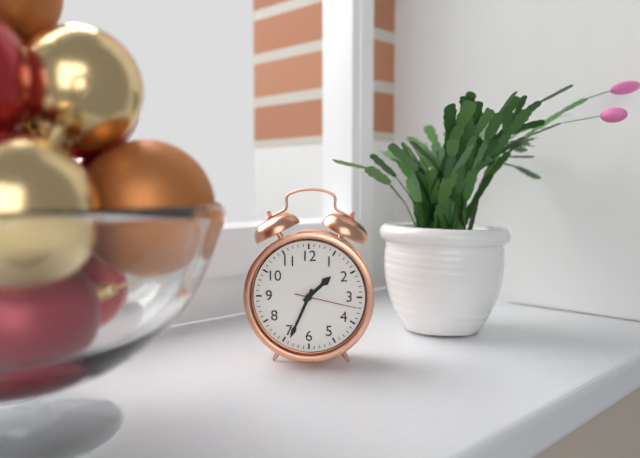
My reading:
1 h 34 min 17 s
